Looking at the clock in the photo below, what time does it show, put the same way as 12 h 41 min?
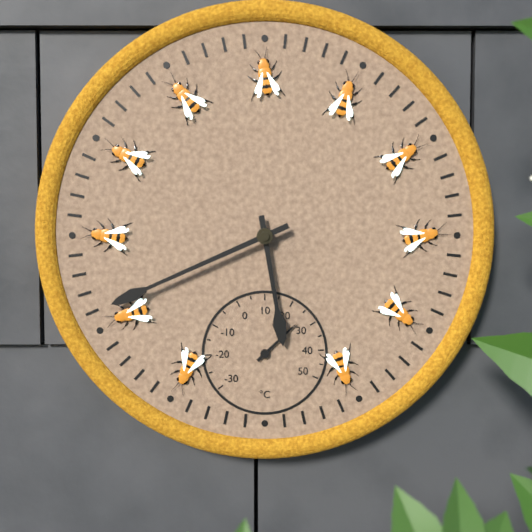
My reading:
5 h 41 min
